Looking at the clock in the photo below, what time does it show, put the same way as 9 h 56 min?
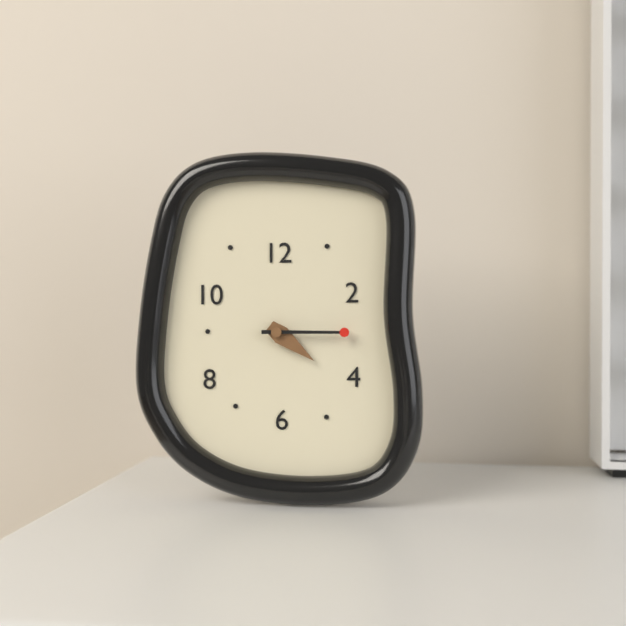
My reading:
4 h 15 min
